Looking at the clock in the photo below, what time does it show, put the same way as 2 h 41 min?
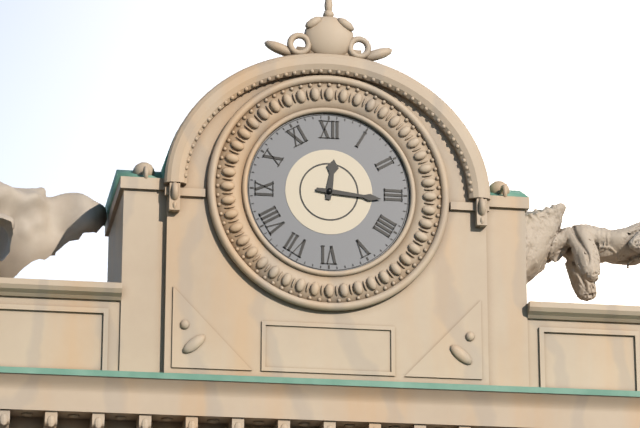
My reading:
12 h 16 min
